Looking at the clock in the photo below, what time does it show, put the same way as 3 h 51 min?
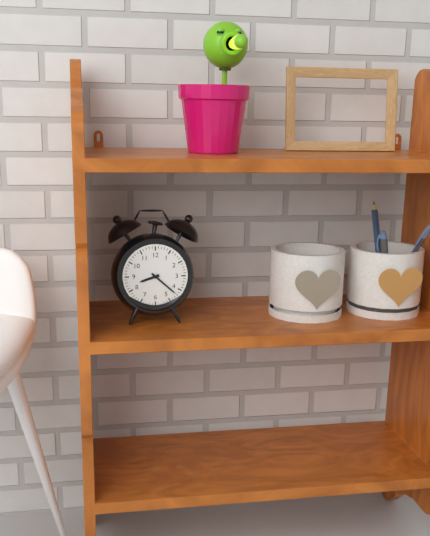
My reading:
8 h 22 min
